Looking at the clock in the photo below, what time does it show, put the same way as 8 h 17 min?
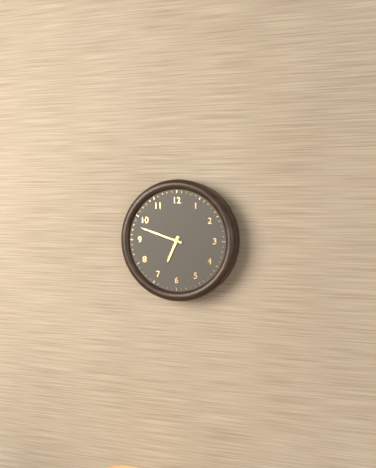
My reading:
6 h 48 min
